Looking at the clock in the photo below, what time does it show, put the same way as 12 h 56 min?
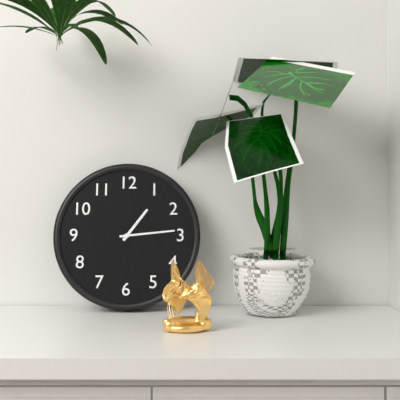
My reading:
1 h 14 min
